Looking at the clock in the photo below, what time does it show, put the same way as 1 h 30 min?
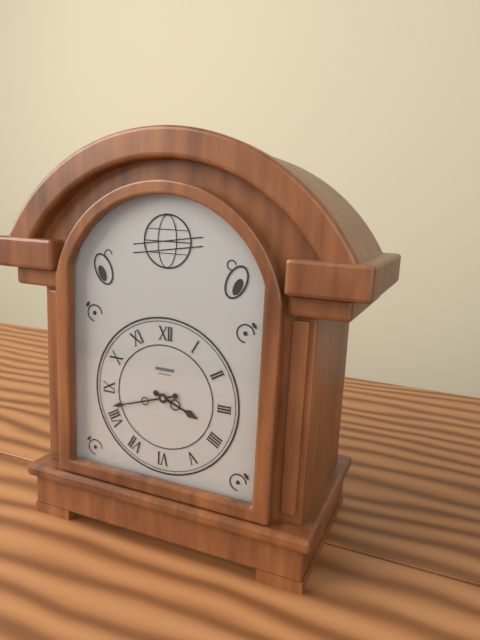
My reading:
3 h 42 min
